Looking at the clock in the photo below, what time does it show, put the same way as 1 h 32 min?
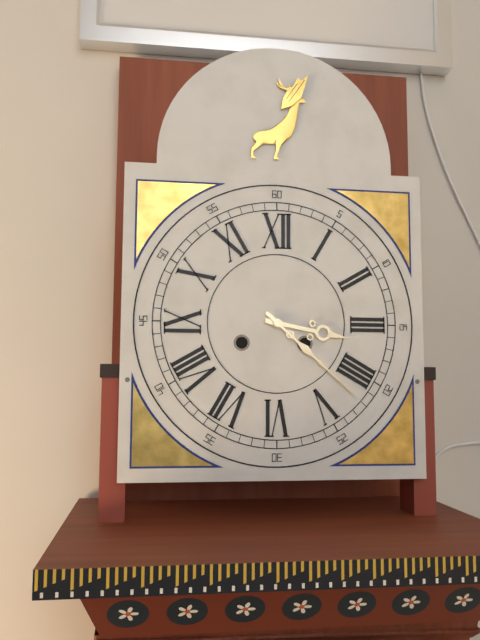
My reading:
3 h 22 min
